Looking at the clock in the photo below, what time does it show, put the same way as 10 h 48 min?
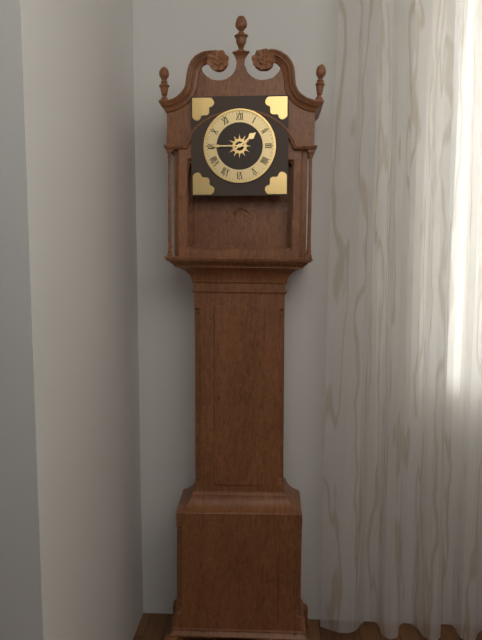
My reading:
1 h 45 min
